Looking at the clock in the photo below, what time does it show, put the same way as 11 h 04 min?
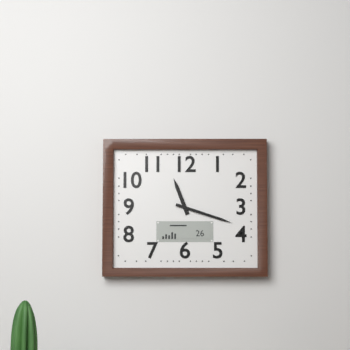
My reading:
11 h 18 min
